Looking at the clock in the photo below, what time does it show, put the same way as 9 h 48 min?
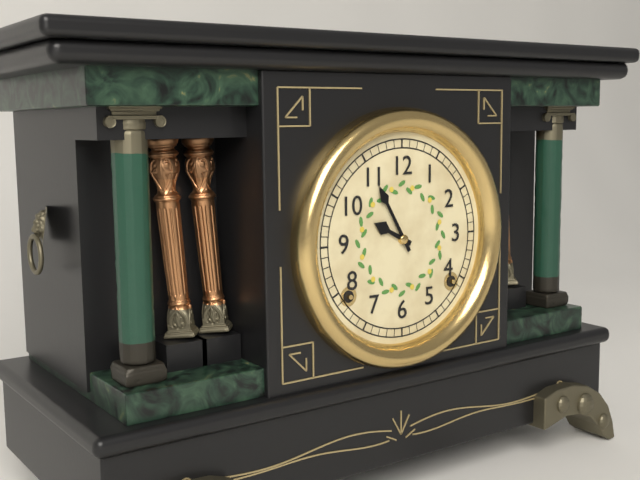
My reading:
9 h 55 min
